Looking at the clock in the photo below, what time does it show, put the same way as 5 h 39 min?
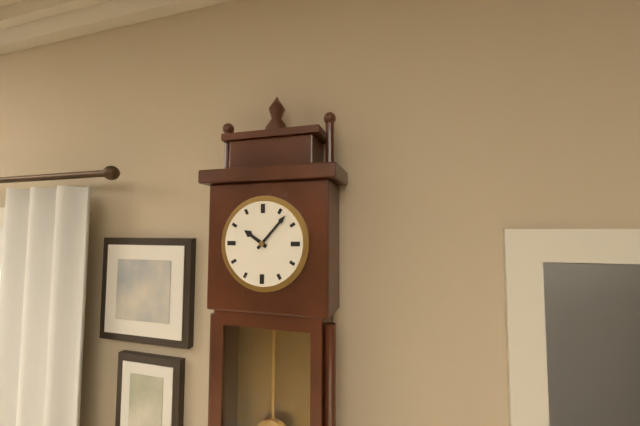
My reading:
10 h 07 min
